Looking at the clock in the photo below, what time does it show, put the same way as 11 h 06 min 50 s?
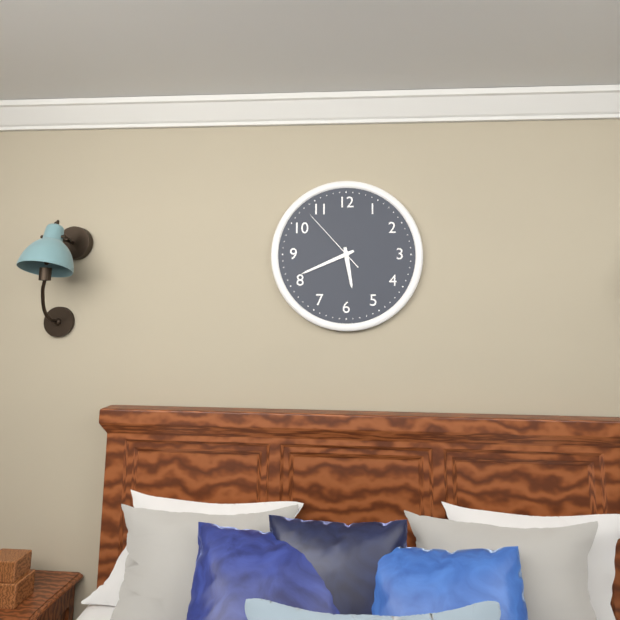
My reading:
5 h 41 min 53 s
